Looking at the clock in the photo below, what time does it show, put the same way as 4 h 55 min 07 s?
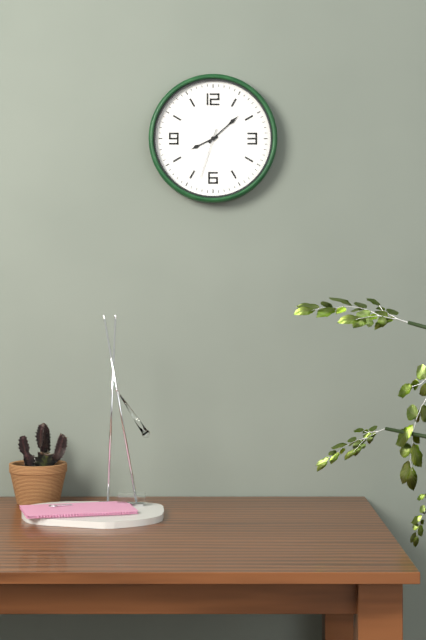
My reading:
8 h 08 min 33 s
